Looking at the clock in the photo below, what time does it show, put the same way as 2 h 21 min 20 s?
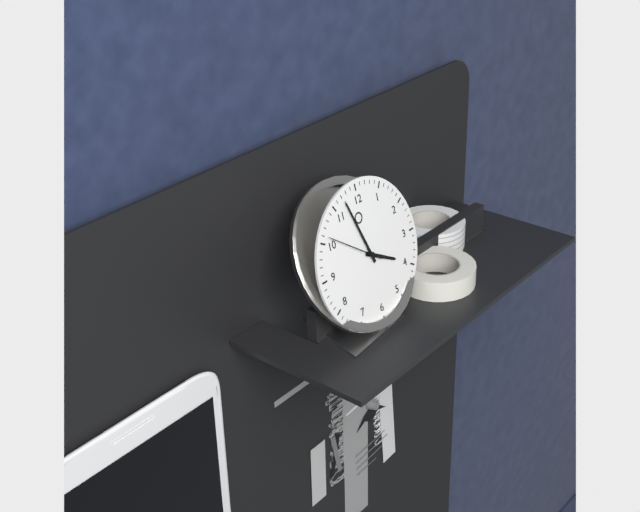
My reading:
3 h 57 min 51 s
